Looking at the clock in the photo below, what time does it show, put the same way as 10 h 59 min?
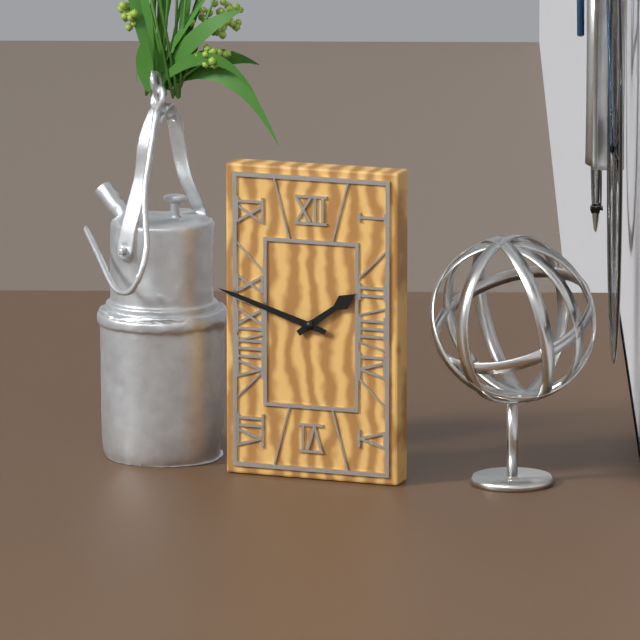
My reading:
1 h 48 min
